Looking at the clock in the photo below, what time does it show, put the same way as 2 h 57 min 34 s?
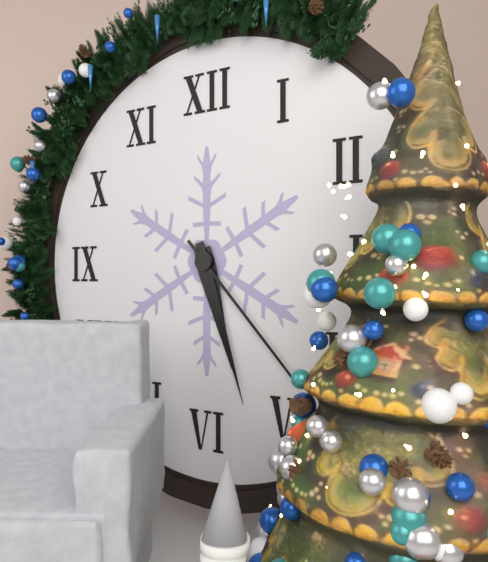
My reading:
5 h 27 min 23 s
